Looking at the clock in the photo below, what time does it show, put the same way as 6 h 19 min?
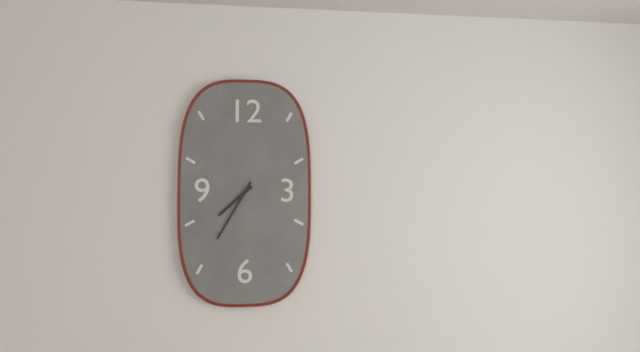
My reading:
7 h 35 min
